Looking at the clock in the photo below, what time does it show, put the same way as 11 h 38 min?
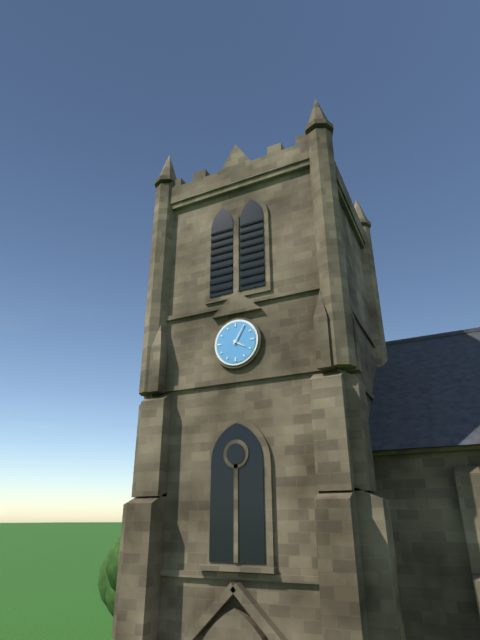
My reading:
4 h 05 min
